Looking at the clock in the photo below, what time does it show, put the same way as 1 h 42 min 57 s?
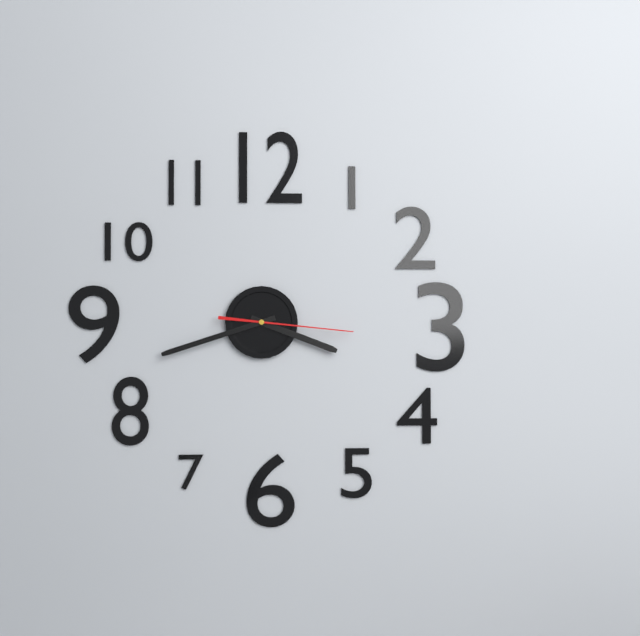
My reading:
3 h 42 min 16 s
